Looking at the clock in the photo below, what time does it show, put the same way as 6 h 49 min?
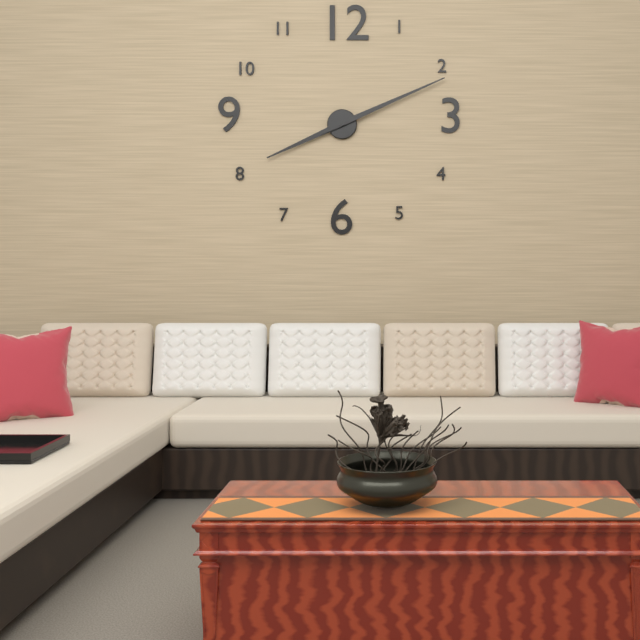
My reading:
8 h 11 min
